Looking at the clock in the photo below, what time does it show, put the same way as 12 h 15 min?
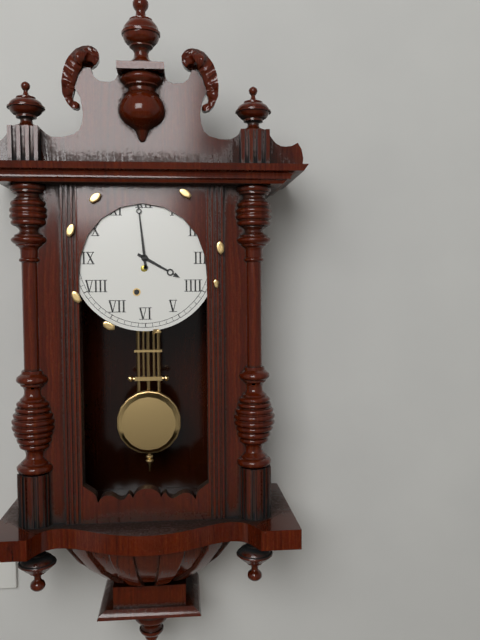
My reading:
3 h 59 min
